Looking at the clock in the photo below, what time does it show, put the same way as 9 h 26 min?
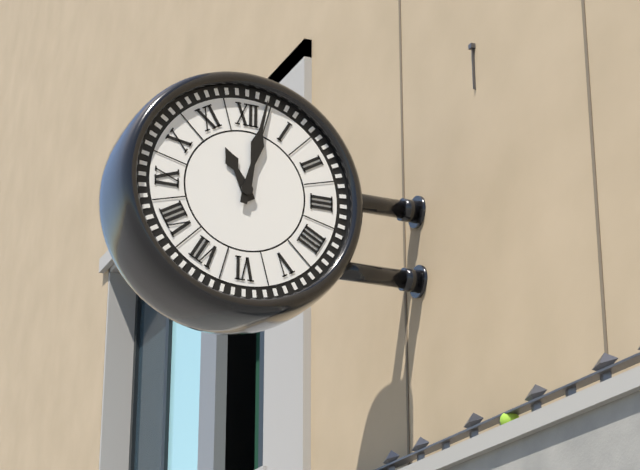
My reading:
11 h 02 min
